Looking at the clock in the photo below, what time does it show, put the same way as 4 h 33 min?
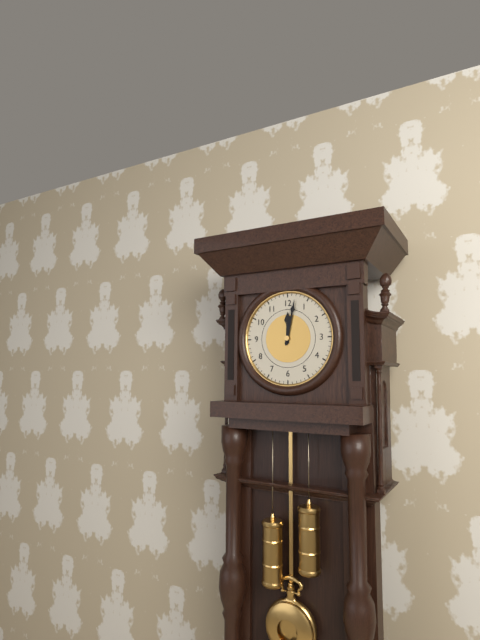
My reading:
12 h 02 min
